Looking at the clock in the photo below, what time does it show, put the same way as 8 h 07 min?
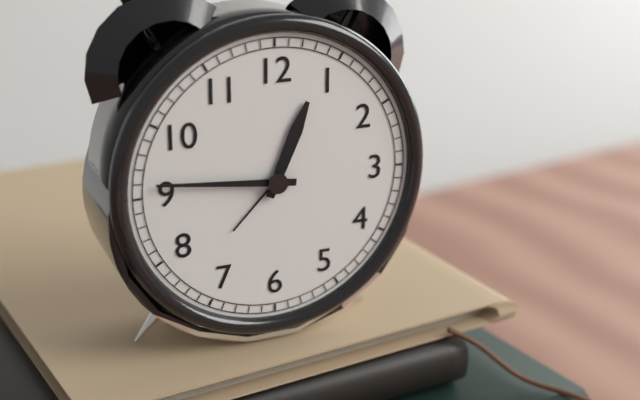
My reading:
12 h 46 min
